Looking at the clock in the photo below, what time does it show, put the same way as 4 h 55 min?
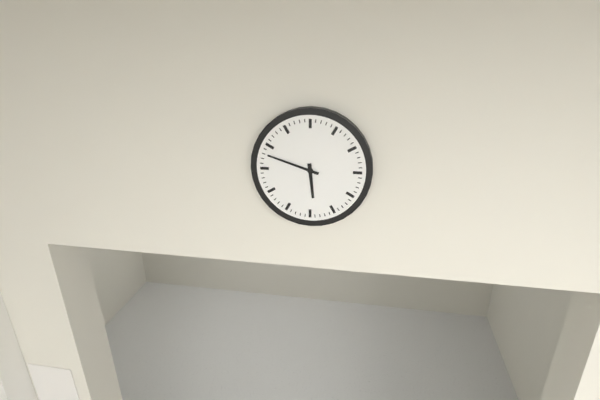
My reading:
5 h 48 min
